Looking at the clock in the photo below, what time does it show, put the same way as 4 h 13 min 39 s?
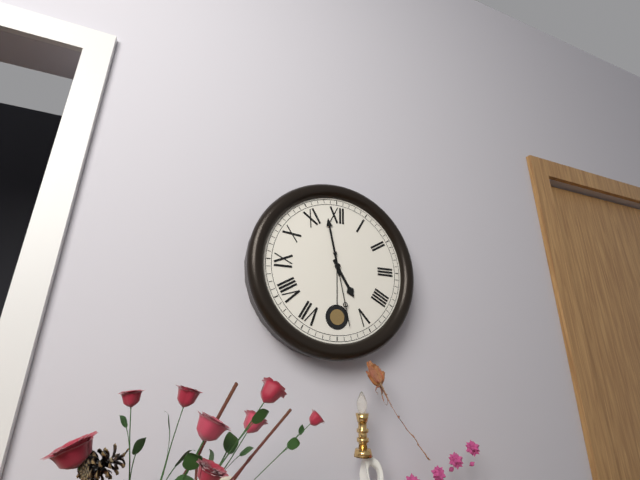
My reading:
4 h 58 min 28 s
